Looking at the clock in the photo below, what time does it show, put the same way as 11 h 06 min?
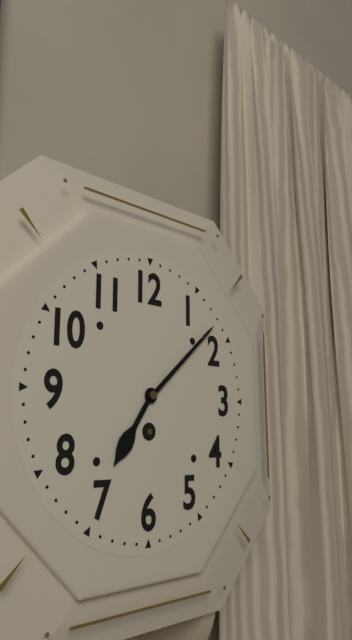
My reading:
7 h 08 min
